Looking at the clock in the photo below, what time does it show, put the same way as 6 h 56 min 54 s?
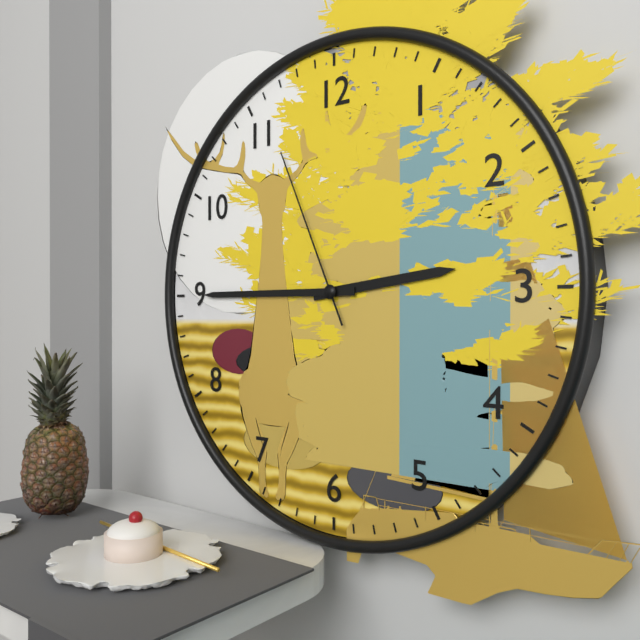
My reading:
2 h 45 min 56 s
